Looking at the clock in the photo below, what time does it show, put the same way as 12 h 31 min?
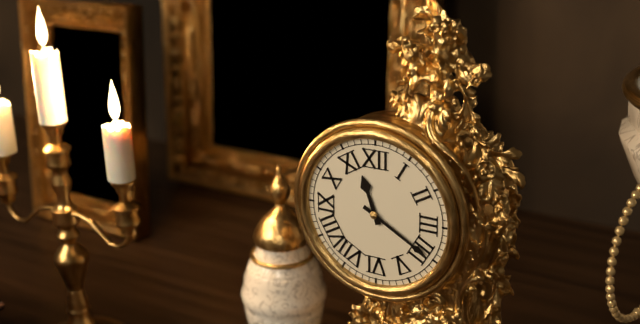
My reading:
11 h 20 min
